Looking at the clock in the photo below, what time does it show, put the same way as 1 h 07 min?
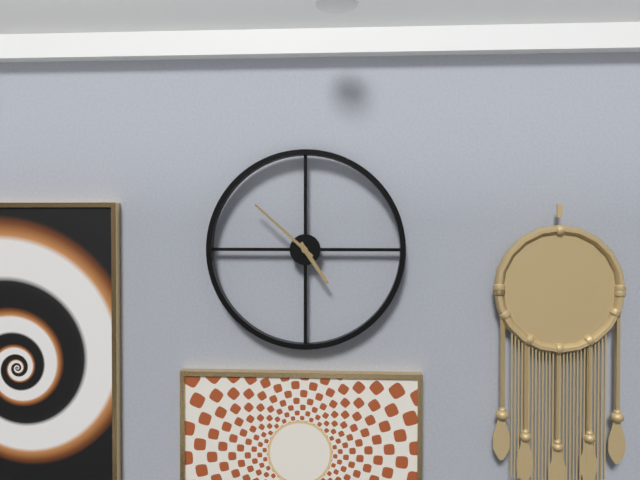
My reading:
4 h 52 min
